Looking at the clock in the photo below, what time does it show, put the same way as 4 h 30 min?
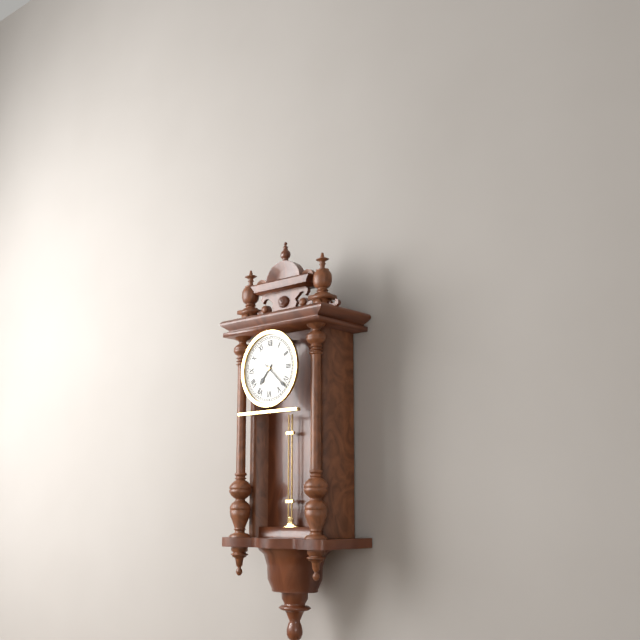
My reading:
7 h 22 min
